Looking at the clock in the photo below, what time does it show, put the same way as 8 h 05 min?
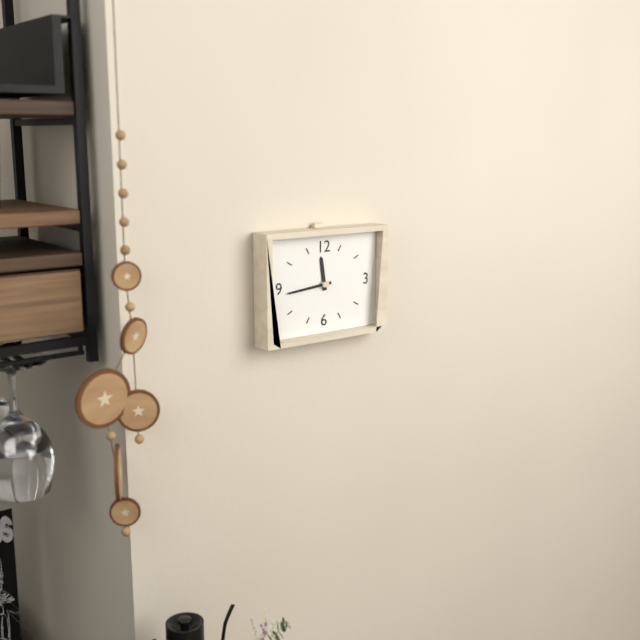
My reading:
11 h 44 min
